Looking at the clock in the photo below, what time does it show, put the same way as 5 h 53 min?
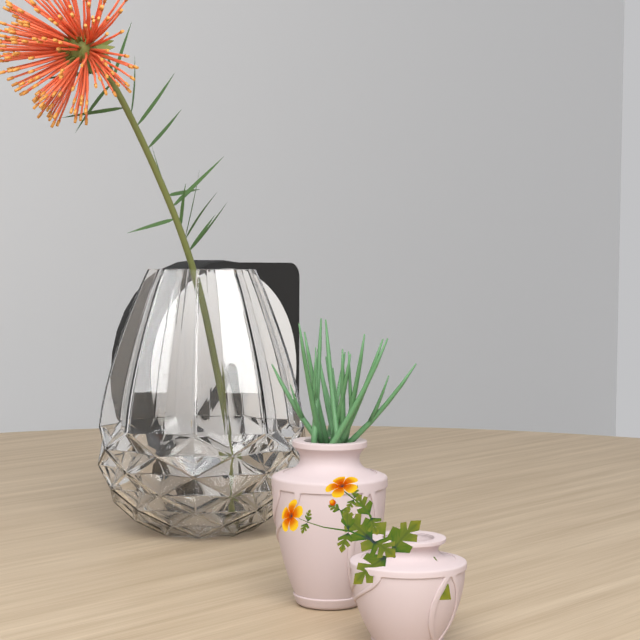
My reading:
7 h 27 min
